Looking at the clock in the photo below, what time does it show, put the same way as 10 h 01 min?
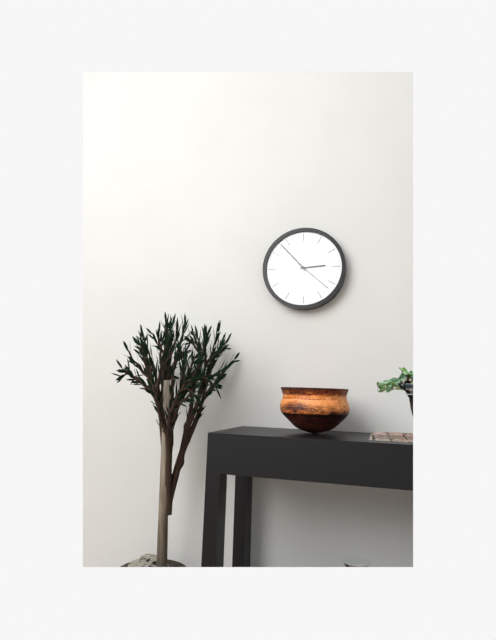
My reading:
2 h 53 min
